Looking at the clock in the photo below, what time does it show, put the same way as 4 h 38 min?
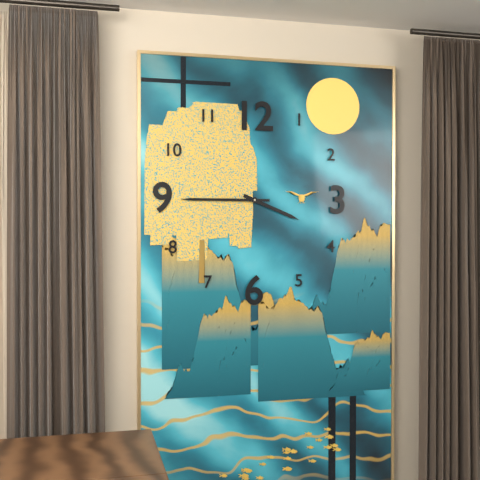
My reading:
3 h 45 min
